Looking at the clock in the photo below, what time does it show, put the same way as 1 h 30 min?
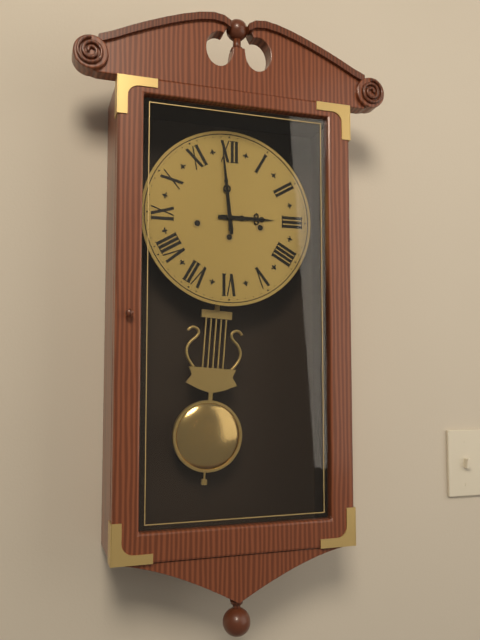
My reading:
2 h 59 min
